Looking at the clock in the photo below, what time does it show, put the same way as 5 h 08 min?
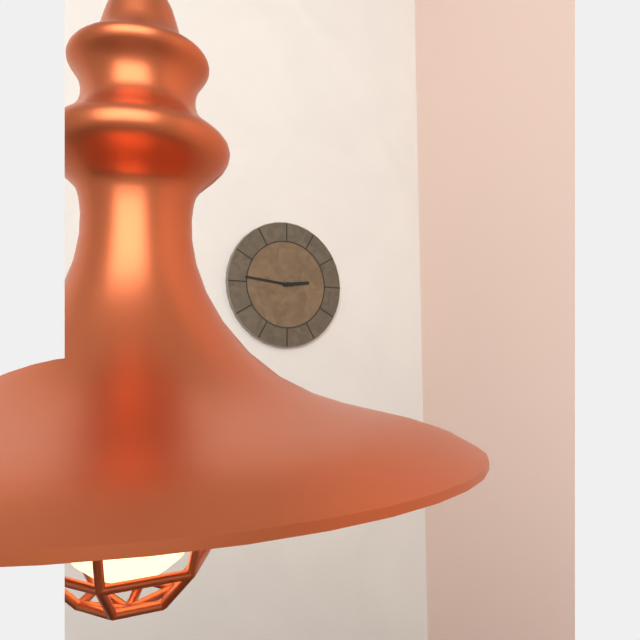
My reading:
2 h 46 min
